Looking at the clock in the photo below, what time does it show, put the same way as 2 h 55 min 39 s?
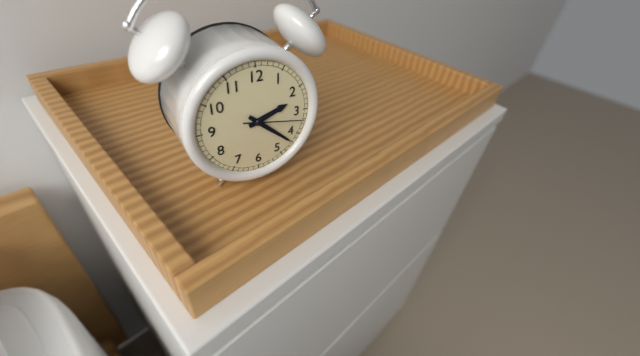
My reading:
2 h 22 min 17 s
